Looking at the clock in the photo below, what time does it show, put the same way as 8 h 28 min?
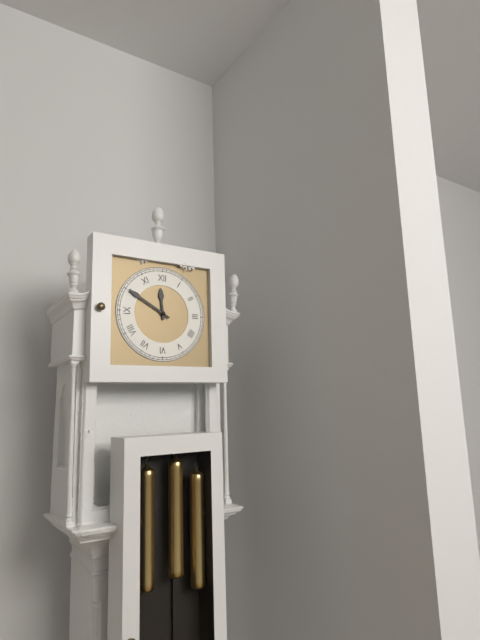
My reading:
11 h 50 min
